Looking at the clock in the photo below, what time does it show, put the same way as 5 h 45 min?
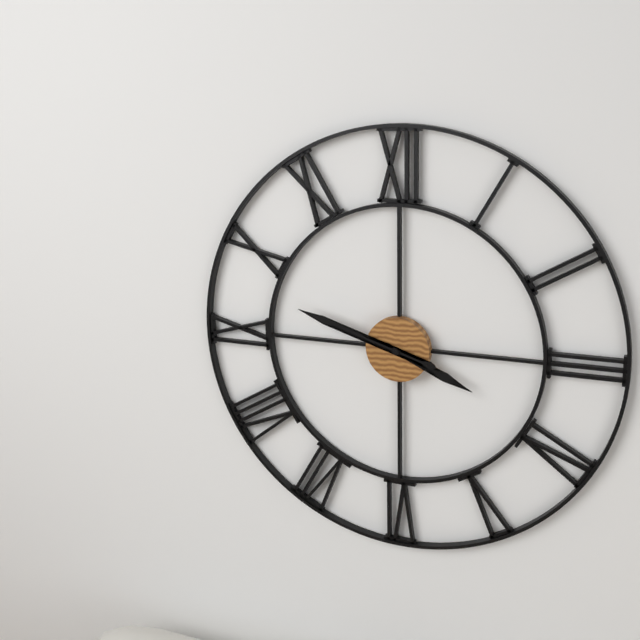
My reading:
3 h 48 min
